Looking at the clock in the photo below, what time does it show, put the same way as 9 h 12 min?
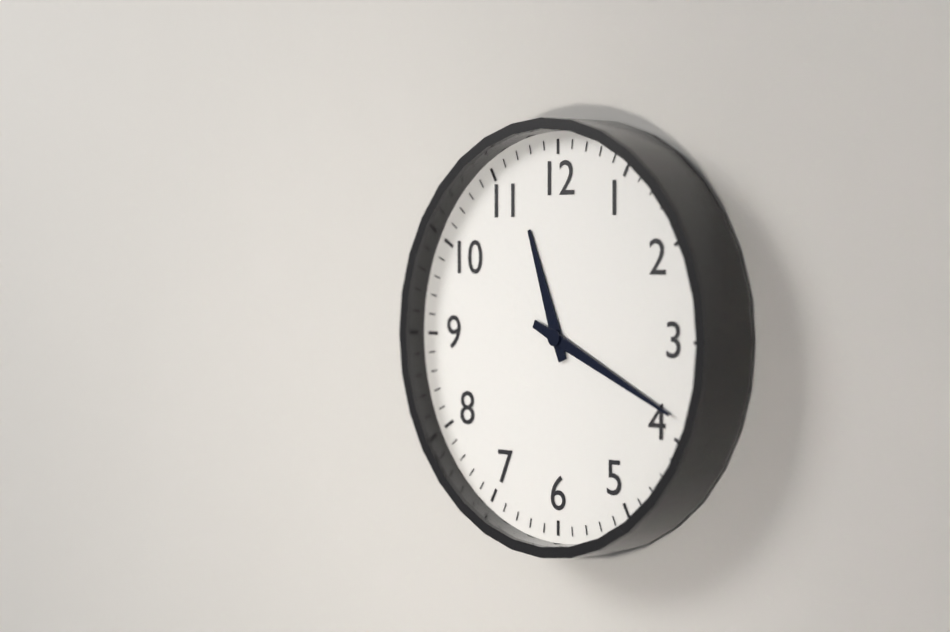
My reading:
11 h 19 min
